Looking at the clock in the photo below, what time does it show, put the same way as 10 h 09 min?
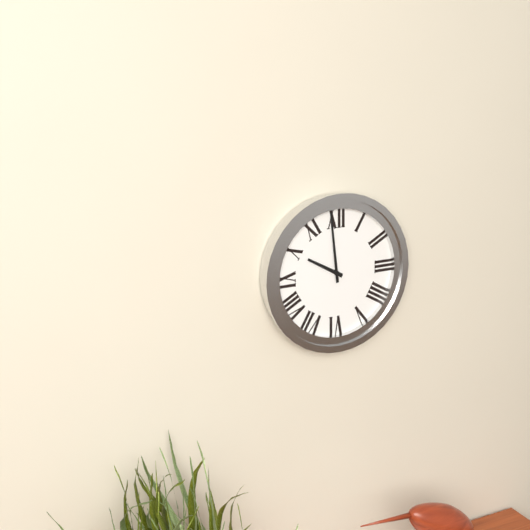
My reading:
9 h 59 min
